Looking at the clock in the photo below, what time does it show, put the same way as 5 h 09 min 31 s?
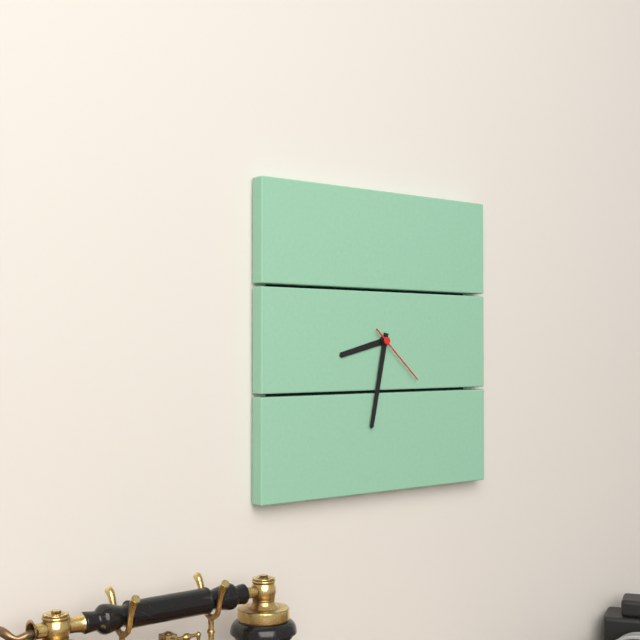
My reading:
8 h 32 min 22 s
